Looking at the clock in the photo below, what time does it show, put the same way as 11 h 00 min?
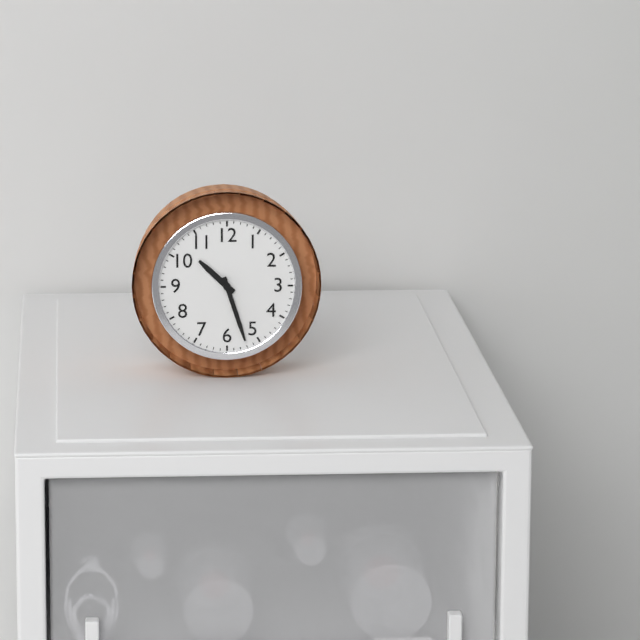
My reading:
10 h 27 min
